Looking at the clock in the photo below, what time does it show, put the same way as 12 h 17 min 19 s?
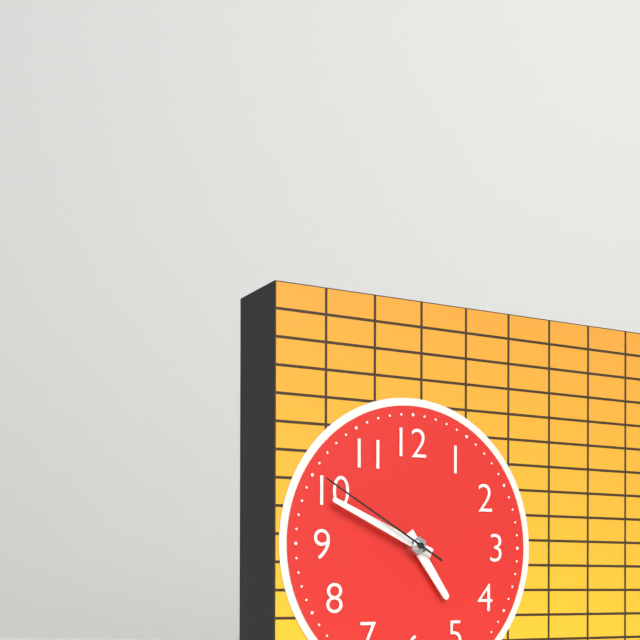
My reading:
4 h 49 min 50 s
